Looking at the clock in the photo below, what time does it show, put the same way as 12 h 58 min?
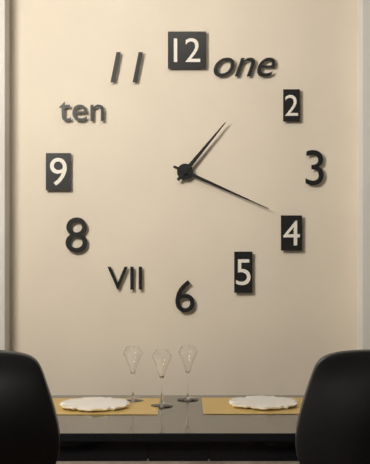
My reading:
1 h 19 min
